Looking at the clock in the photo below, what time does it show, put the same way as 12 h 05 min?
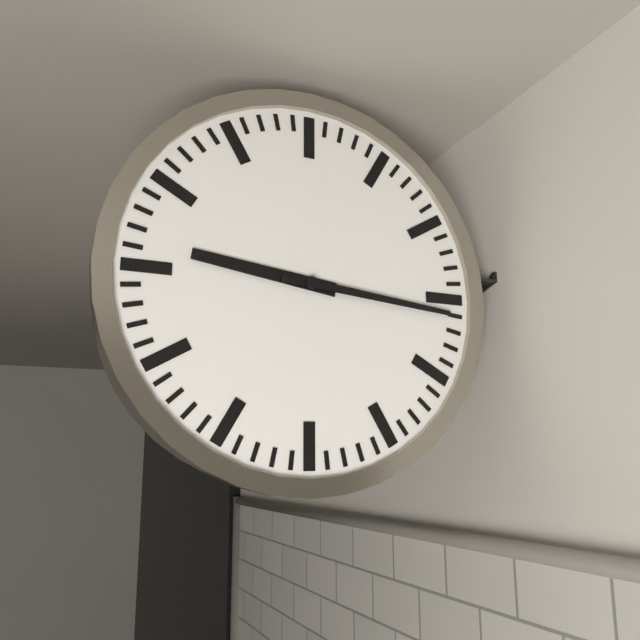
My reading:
9 h 16 min
